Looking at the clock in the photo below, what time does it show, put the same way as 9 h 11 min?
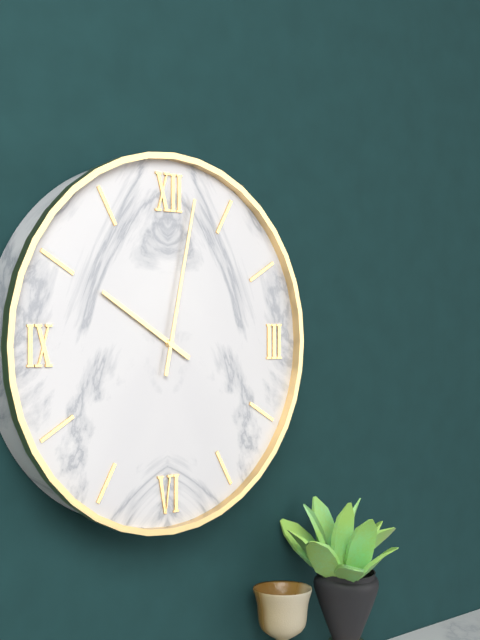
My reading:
10 h 02 min
